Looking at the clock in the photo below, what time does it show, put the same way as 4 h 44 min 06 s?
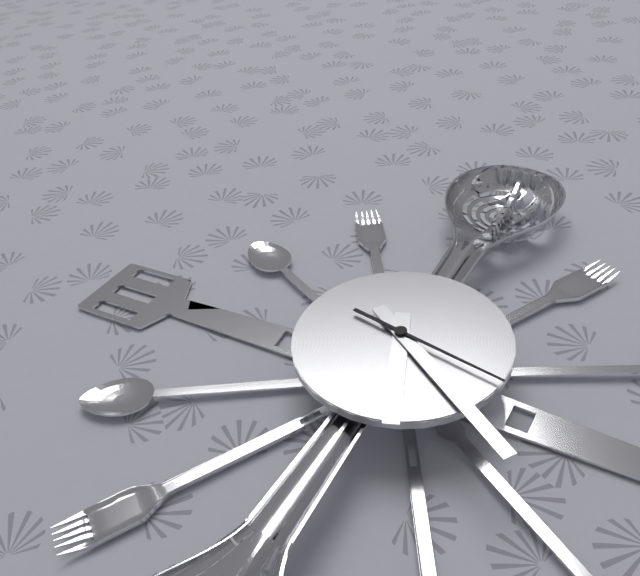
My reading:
5 h 21 min 17 s
